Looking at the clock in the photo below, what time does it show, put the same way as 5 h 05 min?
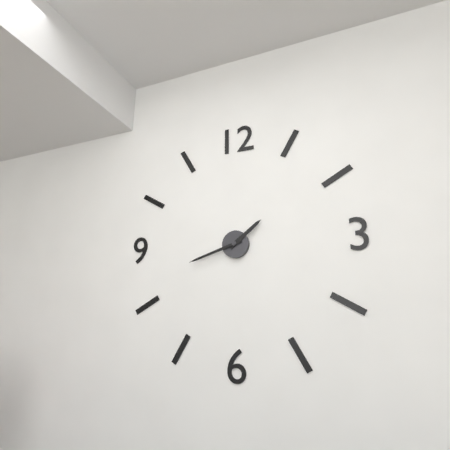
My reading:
1 h 42 min
